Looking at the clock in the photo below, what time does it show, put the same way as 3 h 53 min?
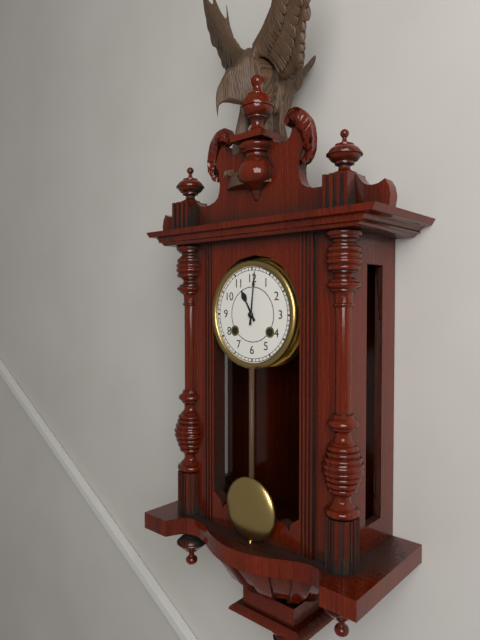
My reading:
11 h 01 min
